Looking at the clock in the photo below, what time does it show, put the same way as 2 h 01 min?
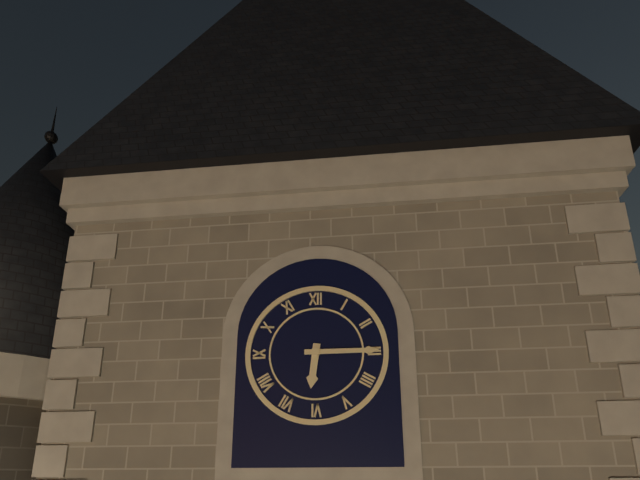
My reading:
6 h 15 min
